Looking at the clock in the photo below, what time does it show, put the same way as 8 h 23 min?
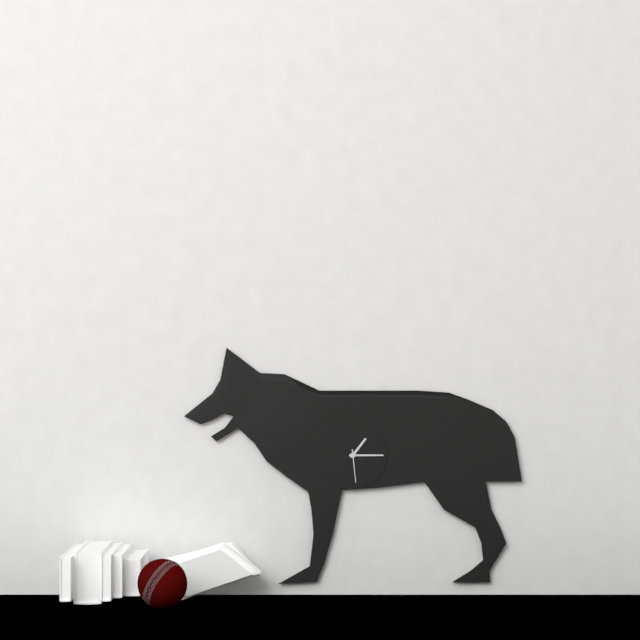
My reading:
1 h 15 min
